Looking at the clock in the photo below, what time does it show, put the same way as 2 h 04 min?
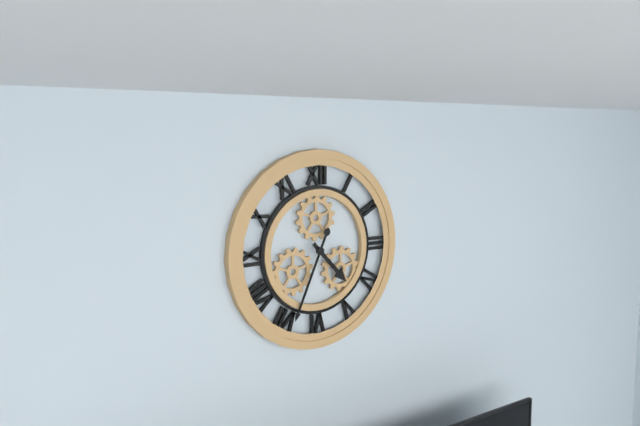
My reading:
4 h 34 min
